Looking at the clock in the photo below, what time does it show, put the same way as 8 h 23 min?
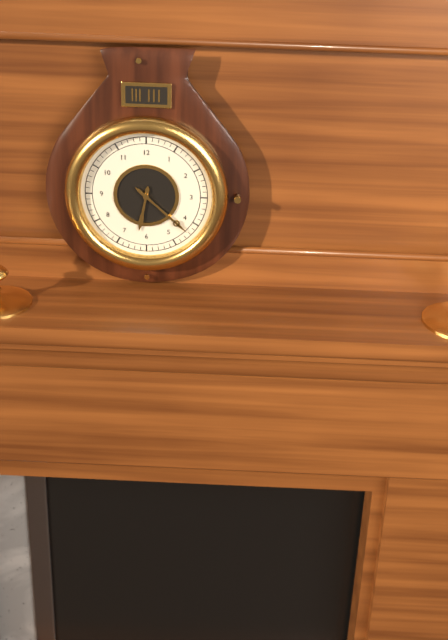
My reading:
6 h 22 min
